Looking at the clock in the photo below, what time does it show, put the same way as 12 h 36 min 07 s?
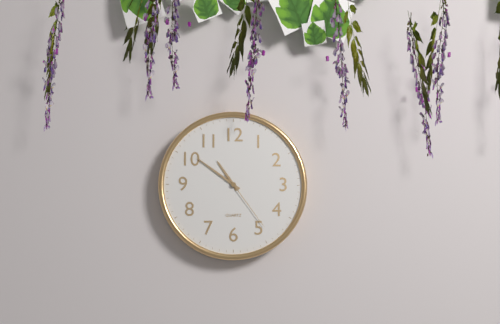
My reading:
10 h 51 min 24 s
